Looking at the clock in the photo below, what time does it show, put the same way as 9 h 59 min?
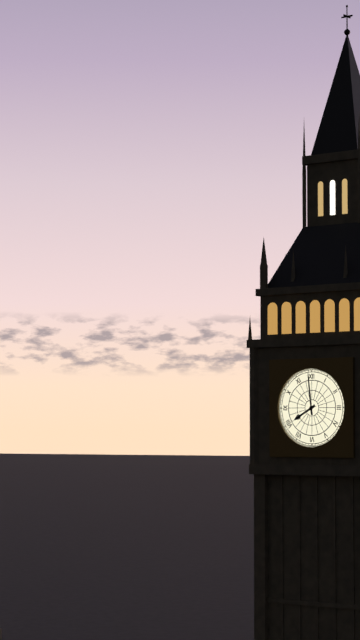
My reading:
7 h 59 min
